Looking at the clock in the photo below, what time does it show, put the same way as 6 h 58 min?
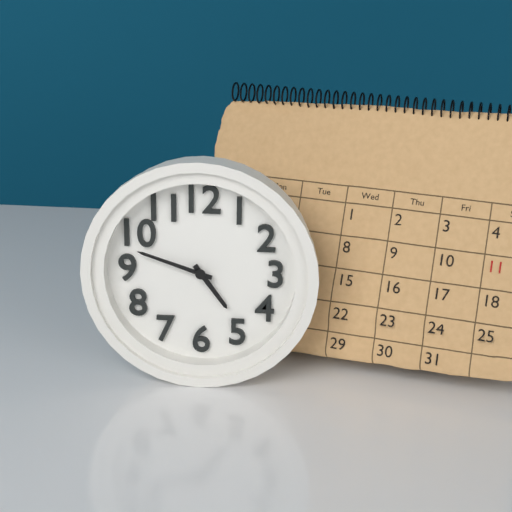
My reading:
4 h 48 min
